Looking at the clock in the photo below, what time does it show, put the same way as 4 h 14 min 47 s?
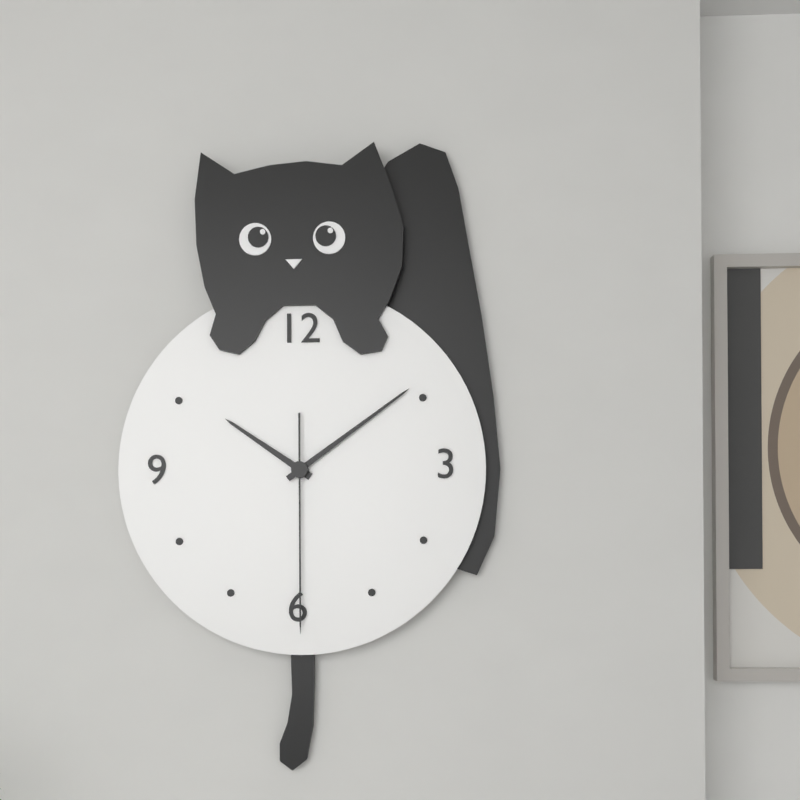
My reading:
10 h 09 min 30 s
